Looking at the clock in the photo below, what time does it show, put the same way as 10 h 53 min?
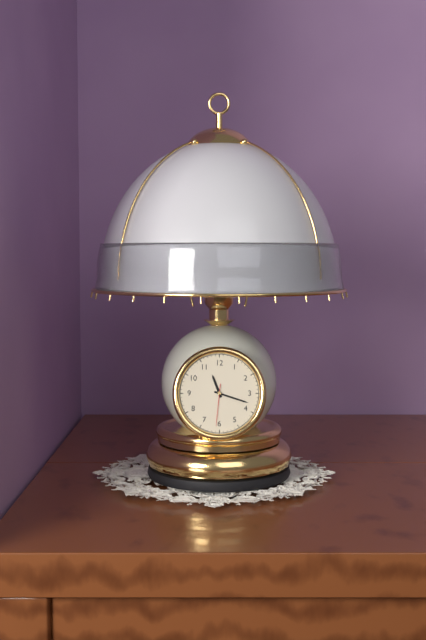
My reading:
11 h 18 min
